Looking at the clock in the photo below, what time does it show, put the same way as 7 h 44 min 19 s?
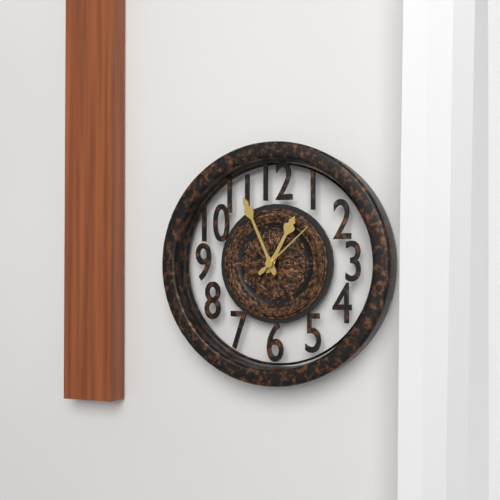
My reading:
12 h 56 min 08 s
